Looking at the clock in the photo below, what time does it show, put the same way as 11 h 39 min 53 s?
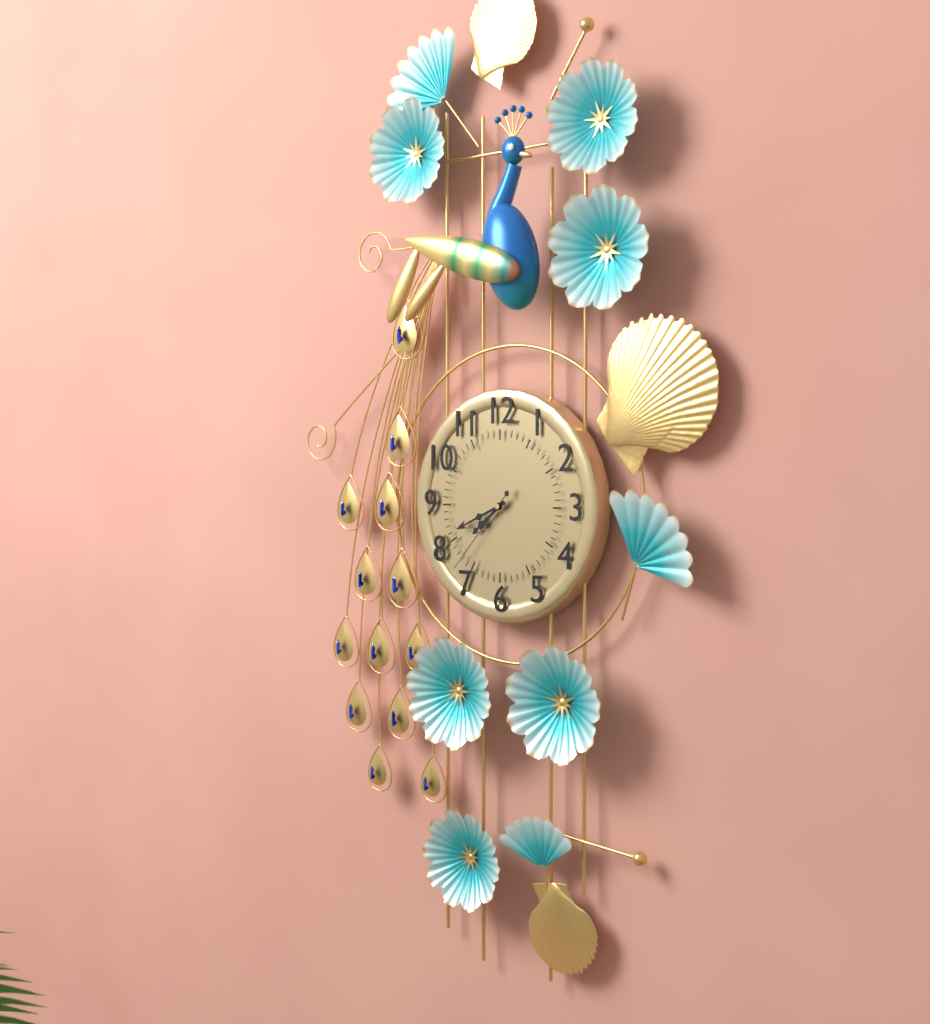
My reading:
7 h 41 min 37 s
